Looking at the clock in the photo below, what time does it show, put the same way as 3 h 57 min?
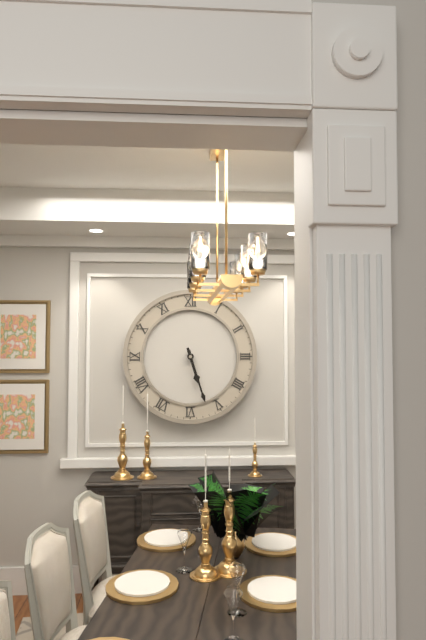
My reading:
5 h 27 min
